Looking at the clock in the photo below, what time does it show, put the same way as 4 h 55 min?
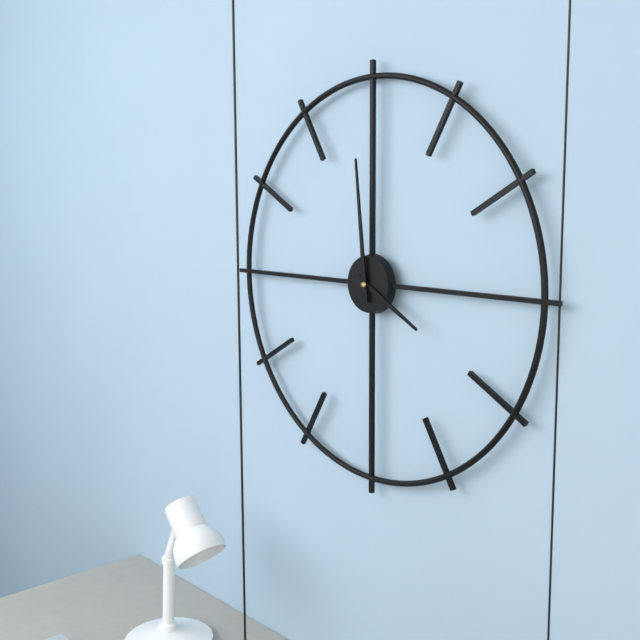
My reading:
3 h 59 min
